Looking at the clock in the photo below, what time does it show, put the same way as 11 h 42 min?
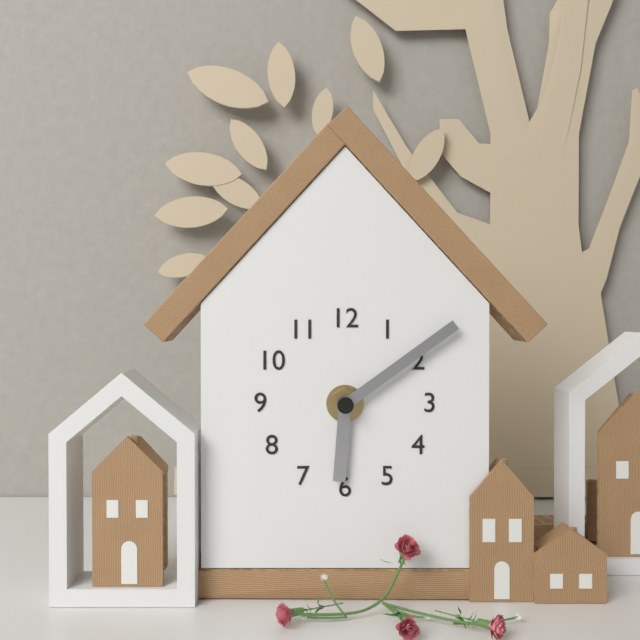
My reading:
6 h 09 min
